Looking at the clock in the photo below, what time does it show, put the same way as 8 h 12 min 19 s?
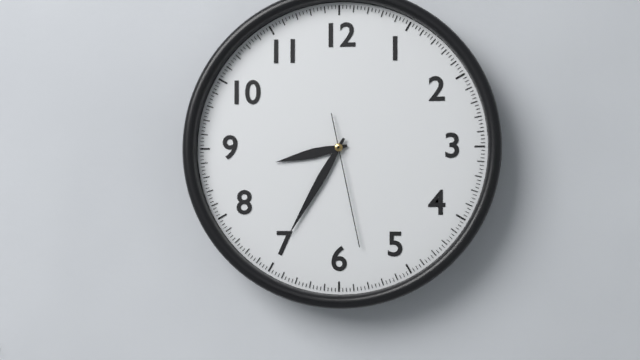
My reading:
8 h 35 min 28 s
